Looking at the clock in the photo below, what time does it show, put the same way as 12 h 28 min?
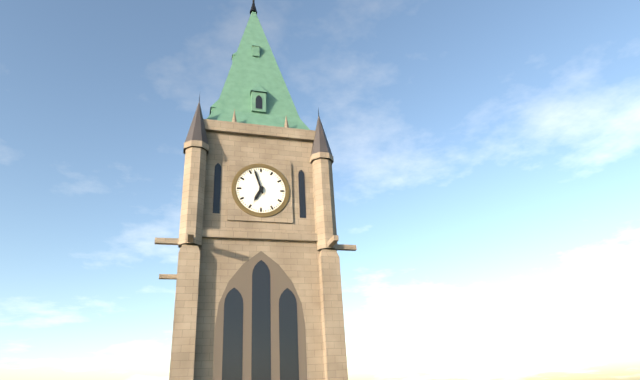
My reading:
6 h 57 min
